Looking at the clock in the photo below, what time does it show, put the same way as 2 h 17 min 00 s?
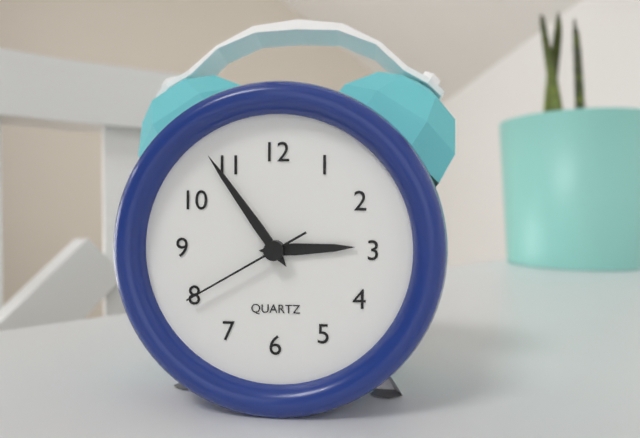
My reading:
2 h 54 min 40 s
